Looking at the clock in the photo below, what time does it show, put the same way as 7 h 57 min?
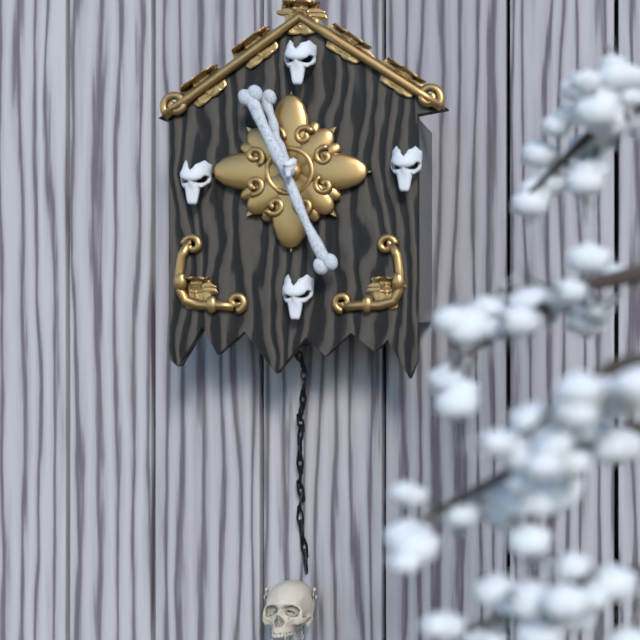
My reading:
11 h 26 min
